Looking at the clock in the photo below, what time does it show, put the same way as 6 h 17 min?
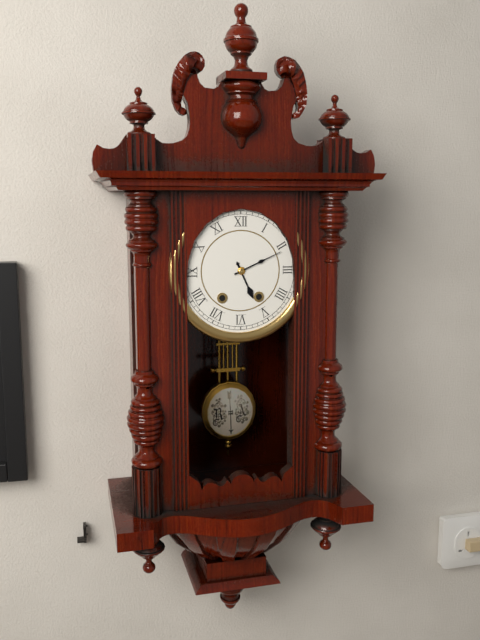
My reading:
5 h 11 min
